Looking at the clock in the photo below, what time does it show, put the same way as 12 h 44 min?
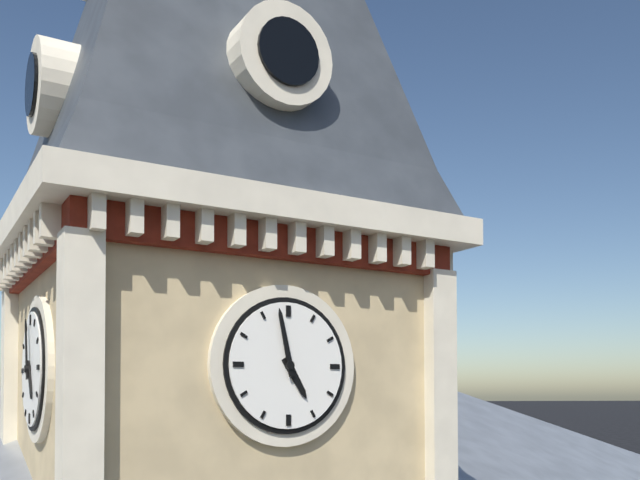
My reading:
4 h 58 min
